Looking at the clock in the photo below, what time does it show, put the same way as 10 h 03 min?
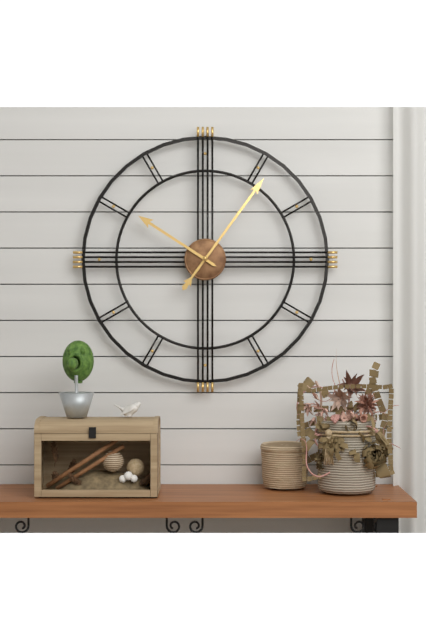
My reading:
10 h 06 min
